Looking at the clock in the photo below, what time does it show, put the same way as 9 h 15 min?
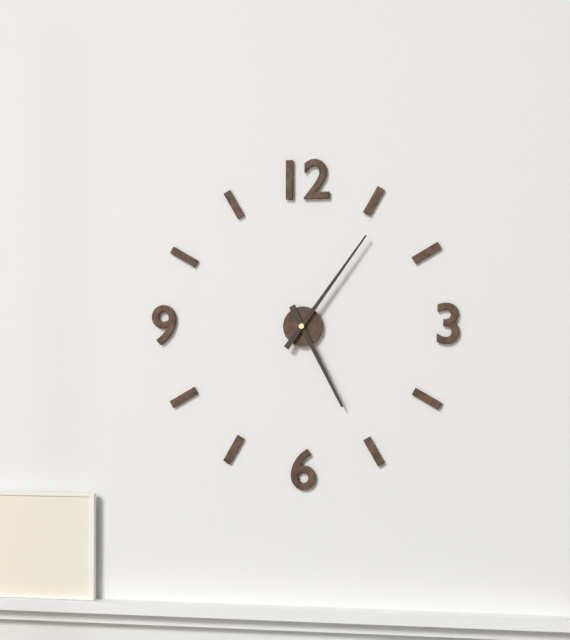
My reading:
5 h 06 min
